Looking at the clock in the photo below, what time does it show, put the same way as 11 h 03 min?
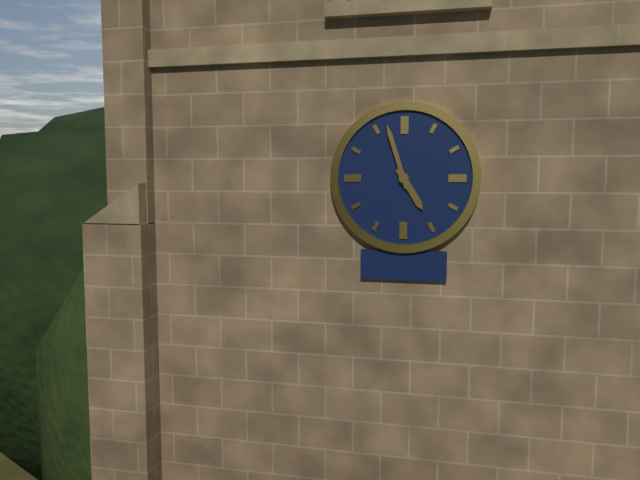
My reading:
4 h 57 min
